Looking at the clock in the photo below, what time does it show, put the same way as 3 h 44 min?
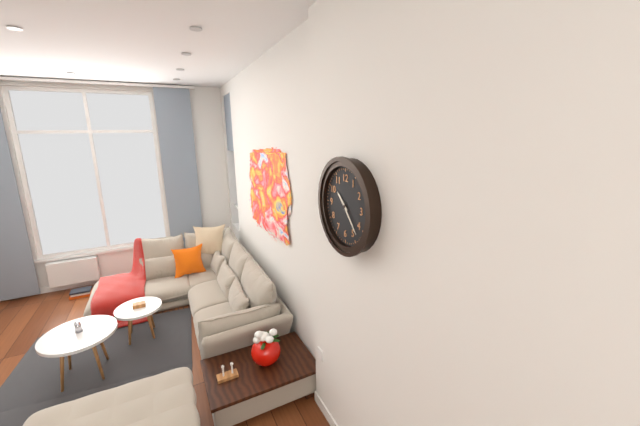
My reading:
10 h 23 min
